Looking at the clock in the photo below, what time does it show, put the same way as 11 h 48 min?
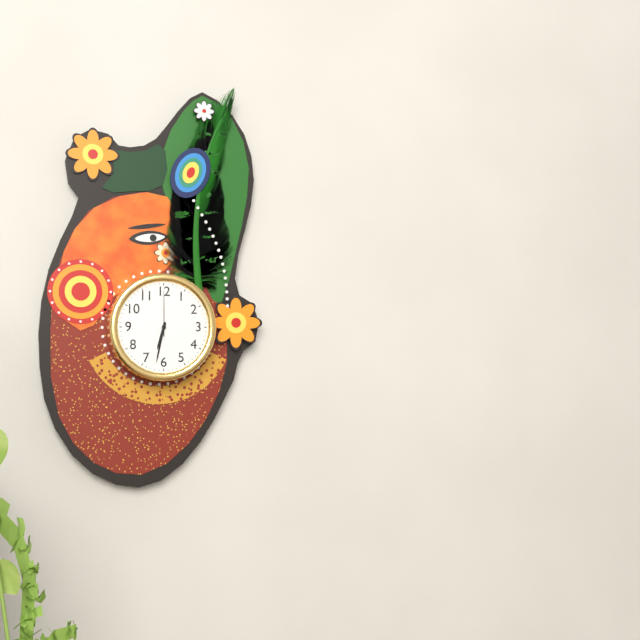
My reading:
6 h 32 min
